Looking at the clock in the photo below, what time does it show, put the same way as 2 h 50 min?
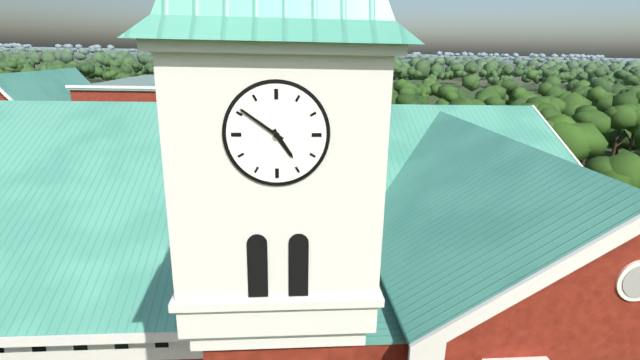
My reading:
4 h 51 min
